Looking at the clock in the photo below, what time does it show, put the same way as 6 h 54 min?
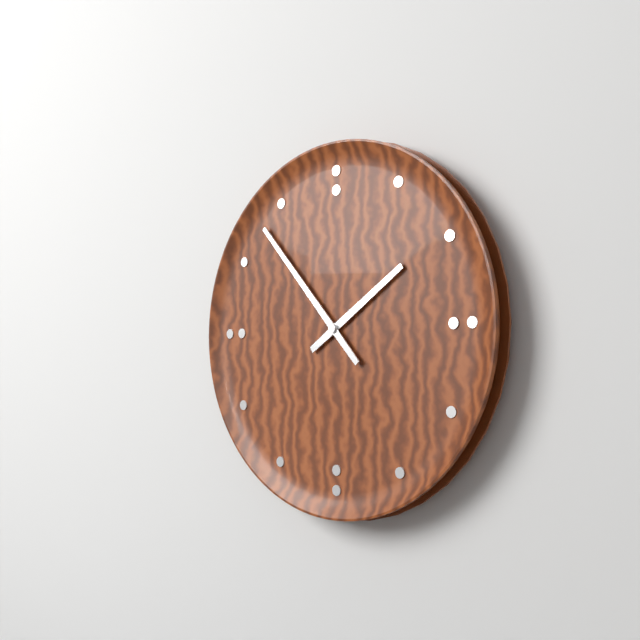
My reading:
1 h 53 min
